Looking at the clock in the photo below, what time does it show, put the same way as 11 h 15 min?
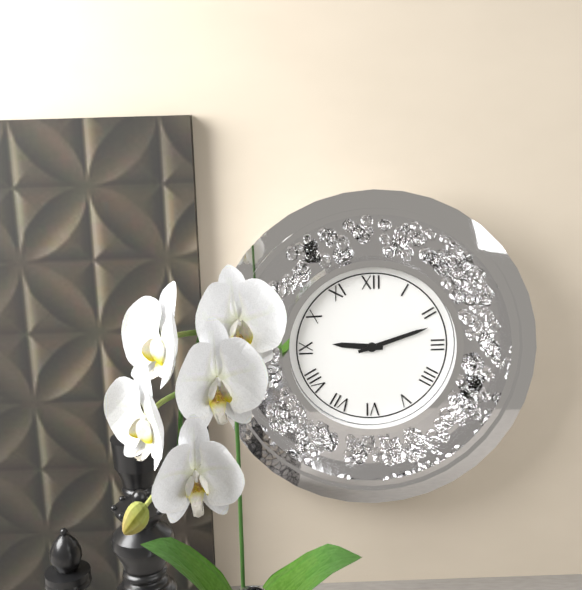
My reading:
9 h 12 min
